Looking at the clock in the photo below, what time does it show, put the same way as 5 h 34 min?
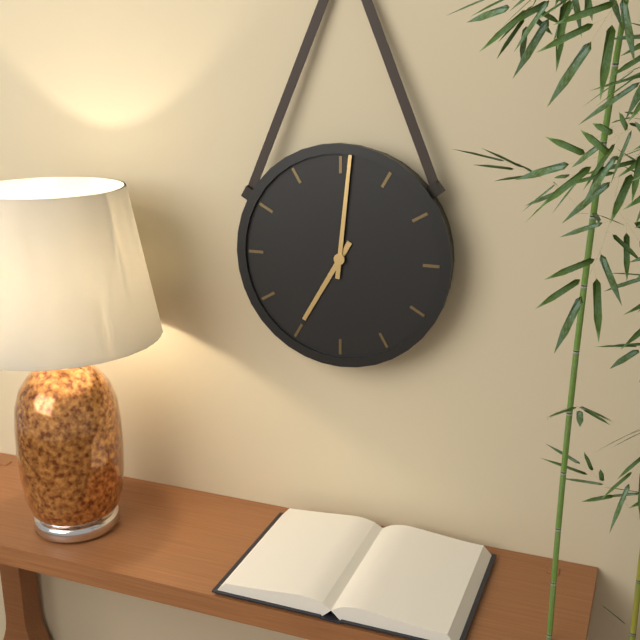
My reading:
7 h 01 min
